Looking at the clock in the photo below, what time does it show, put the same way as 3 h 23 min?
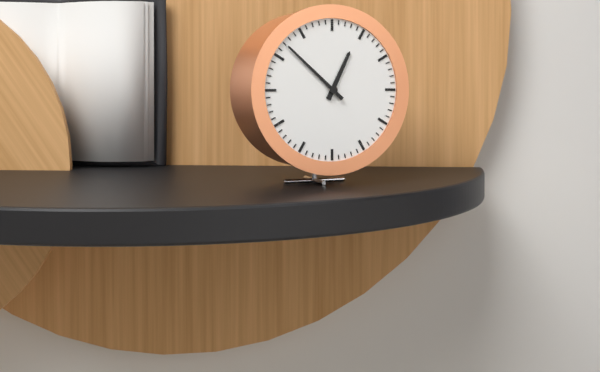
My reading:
12 h 52 min
